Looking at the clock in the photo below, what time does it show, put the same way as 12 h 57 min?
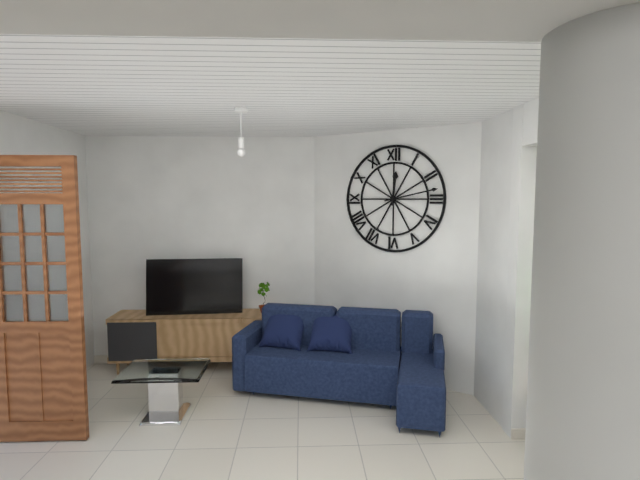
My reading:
12 h 13 min
